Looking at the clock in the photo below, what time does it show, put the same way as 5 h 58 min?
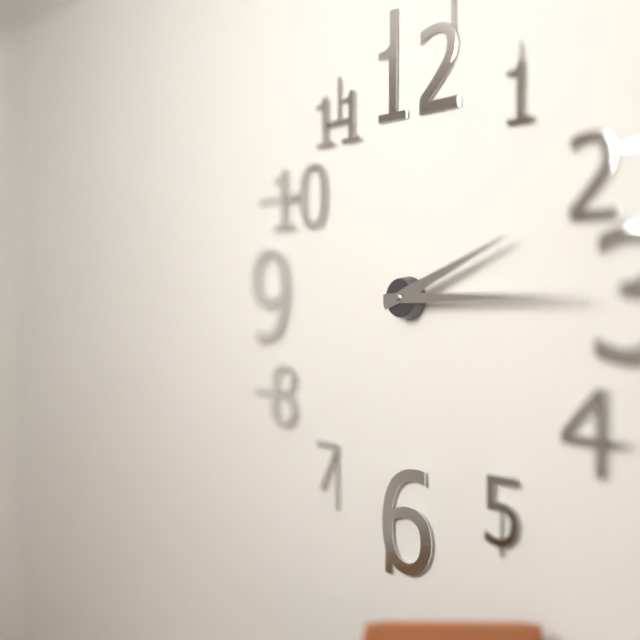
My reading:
2 h 15 min
